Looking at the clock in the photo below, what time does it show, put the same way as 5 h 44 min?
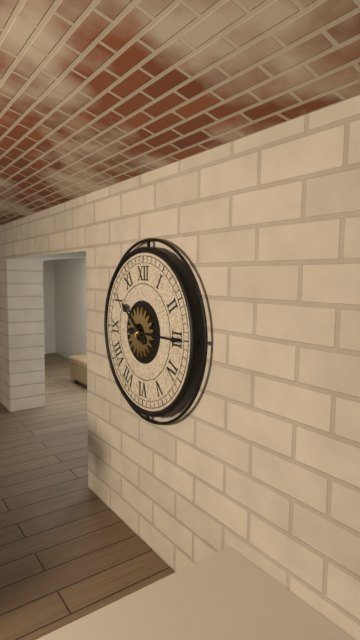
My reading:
10 h 15 min
